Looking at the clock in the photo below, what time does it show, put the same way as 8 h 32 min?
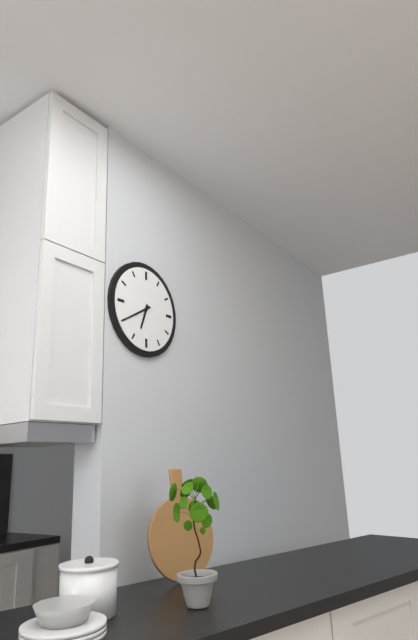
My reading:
6 h 40 min
